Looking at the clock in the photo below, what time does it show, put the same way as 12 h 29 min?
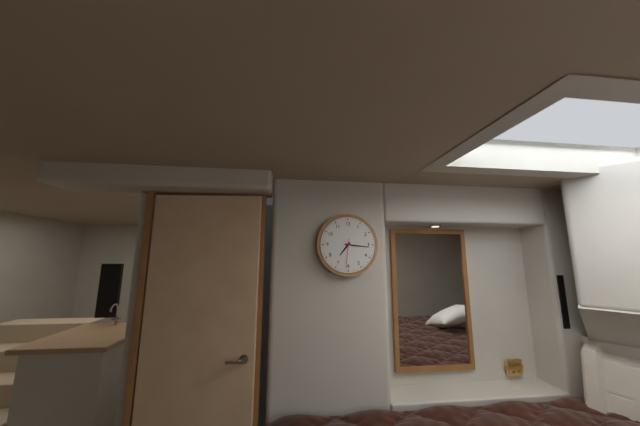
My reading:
7 h 16 min
